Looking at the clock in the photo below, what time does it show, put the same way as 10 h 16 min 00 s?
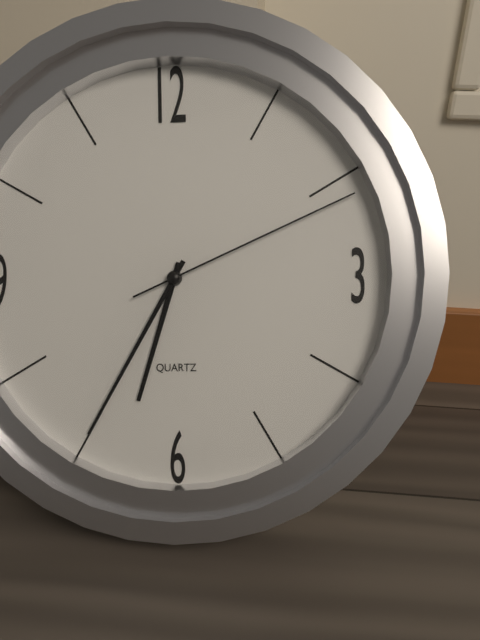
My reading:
6 h 35 min 11 s
